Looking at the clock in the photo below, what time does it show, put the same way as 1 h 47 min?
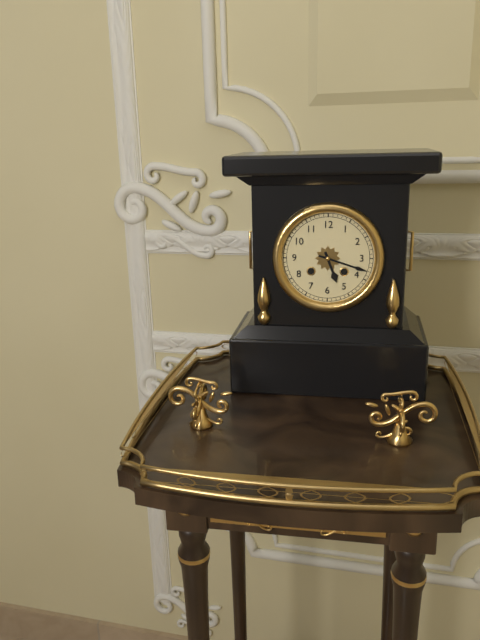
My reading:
5 h 18 min
